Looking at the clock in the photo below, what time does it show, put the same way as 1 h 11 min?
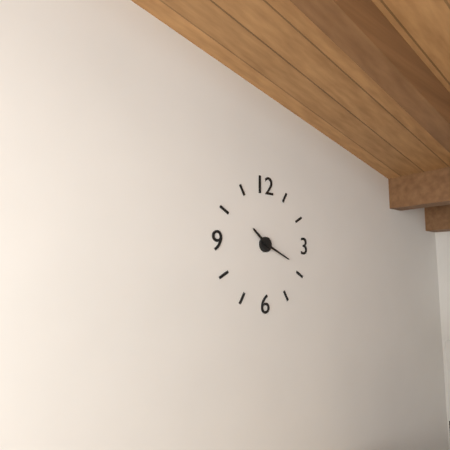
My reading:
10 h 19 min
